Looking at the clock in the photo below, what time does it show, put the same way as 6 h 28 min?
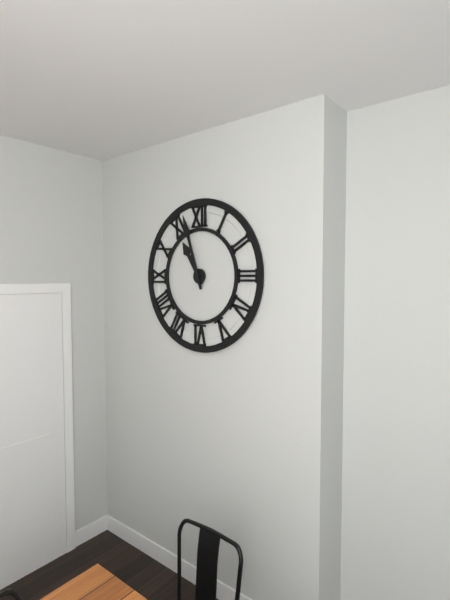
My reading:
10 h 57 min
